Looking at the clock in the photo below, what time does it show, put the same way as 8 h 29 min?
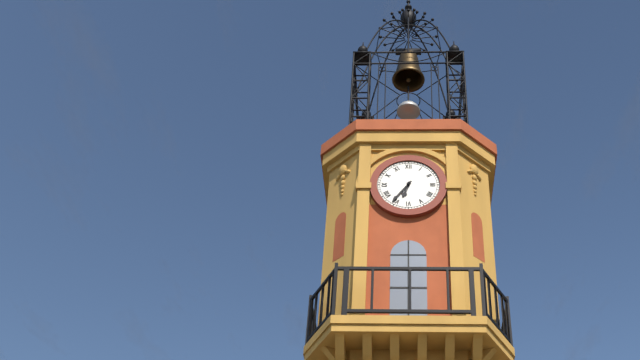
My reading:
6 h 36 min
